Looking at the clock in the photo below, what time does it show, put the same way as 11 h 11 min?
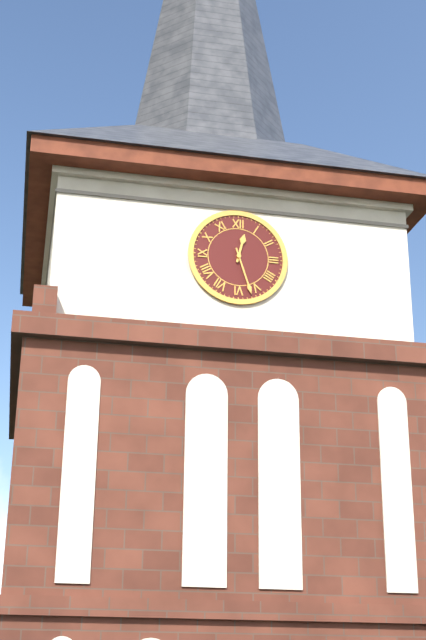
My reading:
12 h 27 min
